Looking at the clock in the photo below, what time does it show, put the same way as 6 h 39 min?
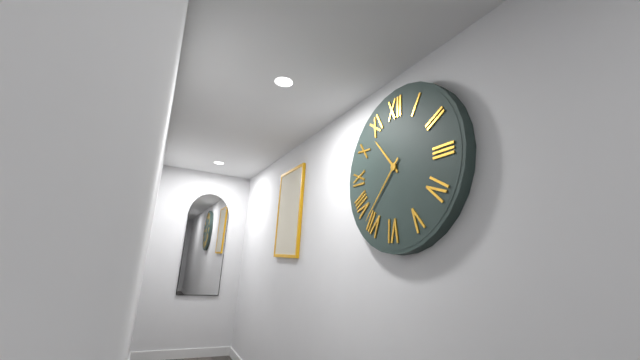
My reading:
10 h 37 min
